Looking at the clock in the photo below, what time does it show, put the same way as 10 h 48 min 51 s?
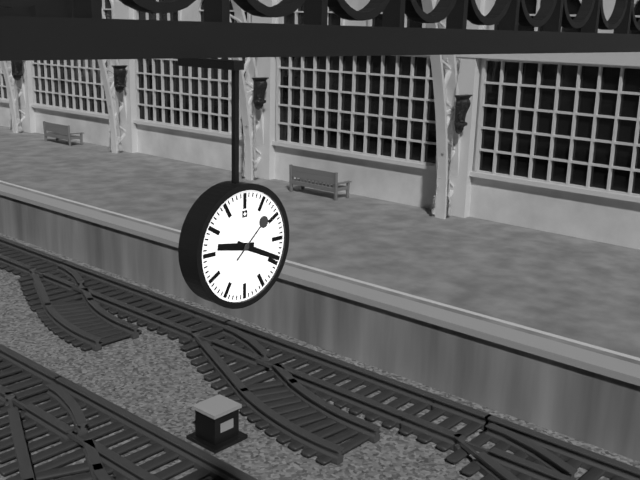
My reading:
9 h 19 min 08 s
